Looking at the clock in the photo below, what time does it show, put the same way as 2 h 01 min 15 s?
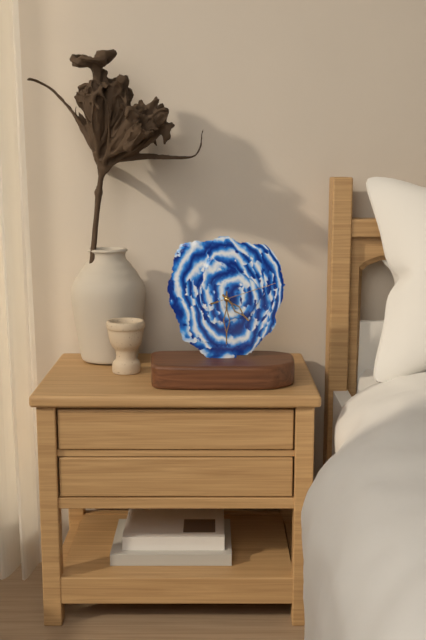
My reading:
4 h 30 min 12 s
